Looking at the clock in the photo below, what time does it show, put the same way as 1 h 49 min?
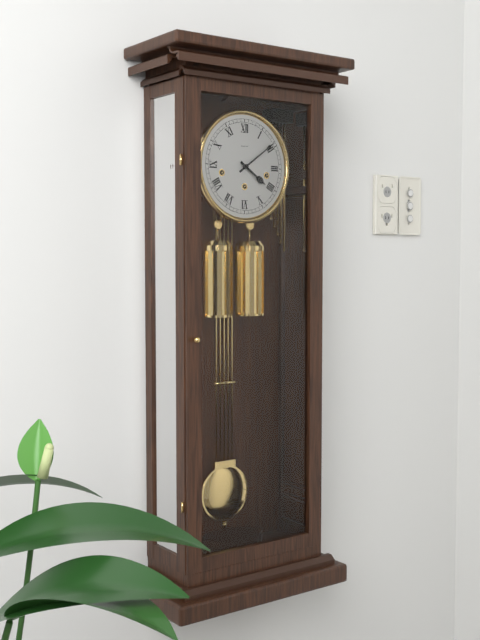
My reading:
4 h 09 min
